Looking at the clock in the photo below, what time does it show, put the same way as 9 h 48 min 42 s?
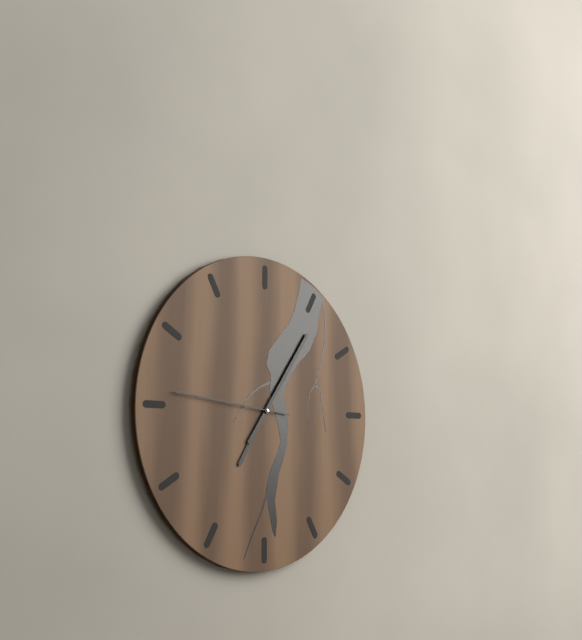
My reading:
7 h 06 min 46 s
